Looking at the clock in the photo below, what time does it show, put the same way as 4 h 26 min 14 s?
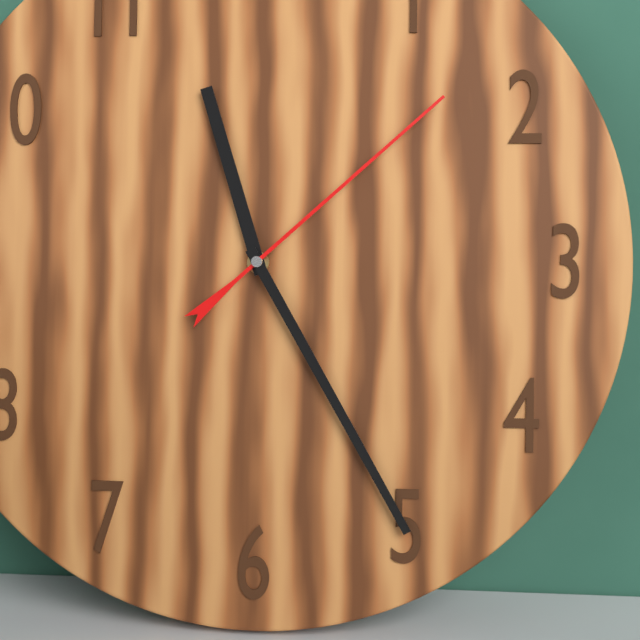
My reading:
11 h 25 min 08 s
